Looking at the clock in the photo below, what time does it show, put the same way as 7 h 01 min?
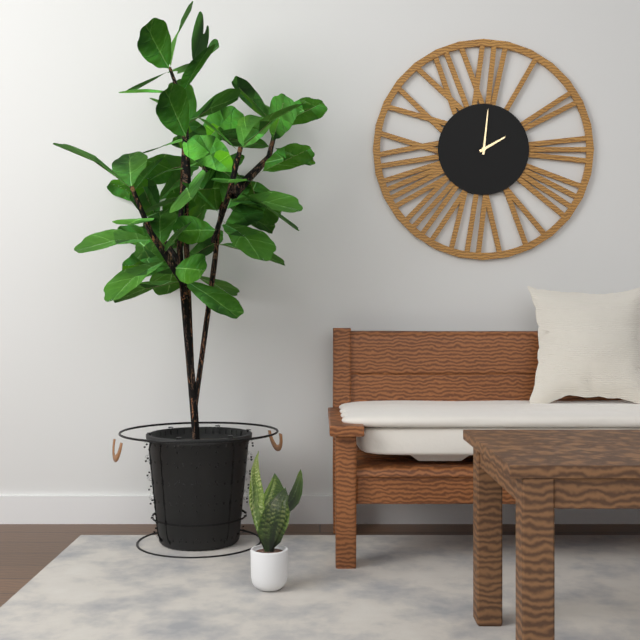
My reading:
2 h 01 min
